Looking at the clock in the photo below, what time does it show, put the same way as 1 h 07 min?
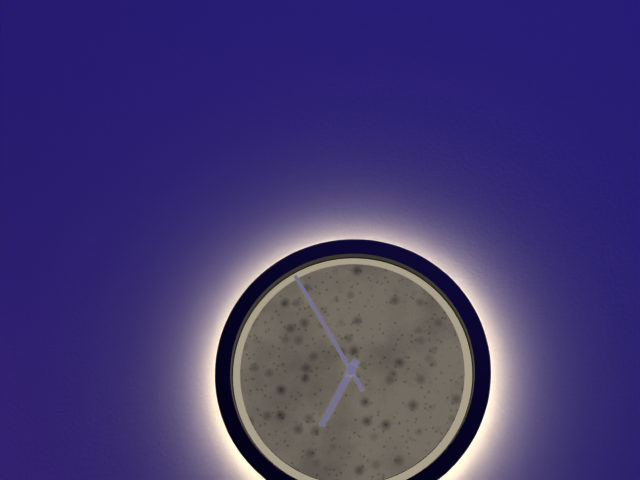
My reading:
6 h 55 min
